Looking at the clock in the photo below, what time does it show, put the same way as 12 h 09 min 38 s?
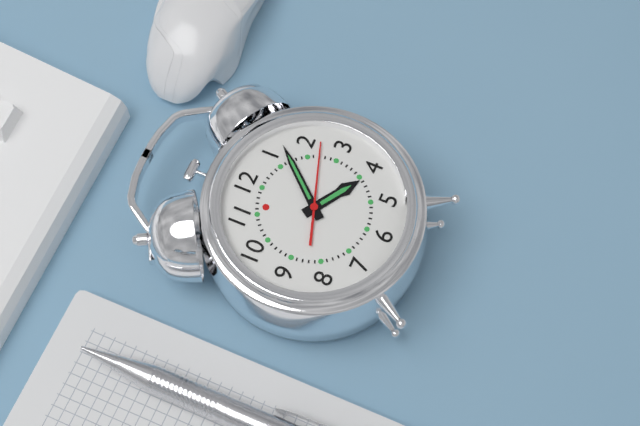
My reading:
4 h 07 min 12 s
